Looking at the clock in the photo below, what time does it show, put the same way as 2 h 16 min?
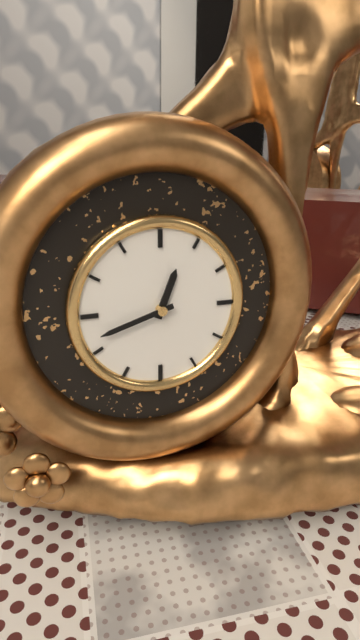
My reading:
12 h 42 min
